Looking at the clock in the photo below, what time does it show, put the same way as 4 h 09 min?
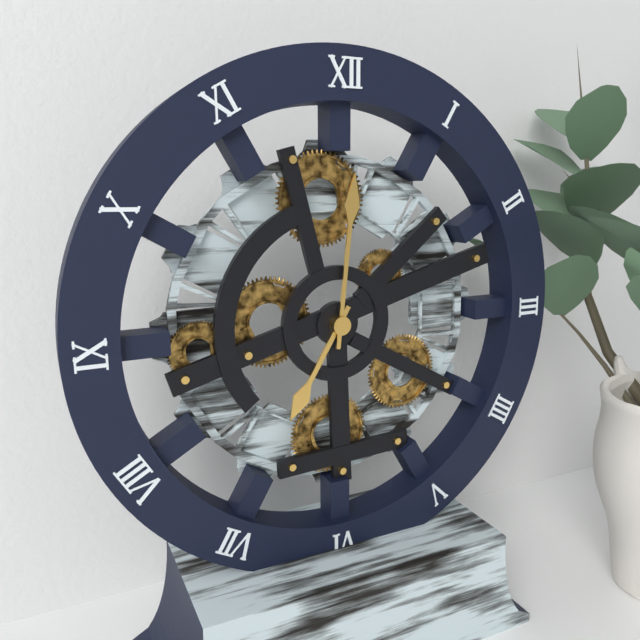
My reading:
7 h 01 min
